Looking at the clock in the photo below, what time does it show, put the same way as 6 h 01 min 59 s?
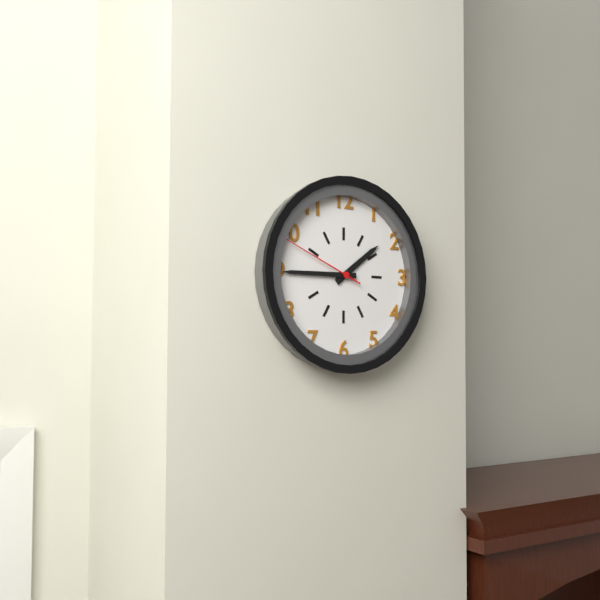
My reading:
1 h 45 min 49 s
